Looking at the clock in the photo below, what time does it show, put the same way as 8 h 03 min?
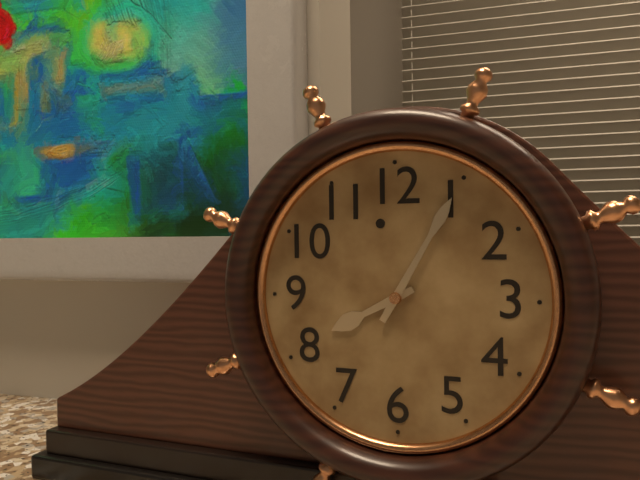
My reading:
8 h 05 min
